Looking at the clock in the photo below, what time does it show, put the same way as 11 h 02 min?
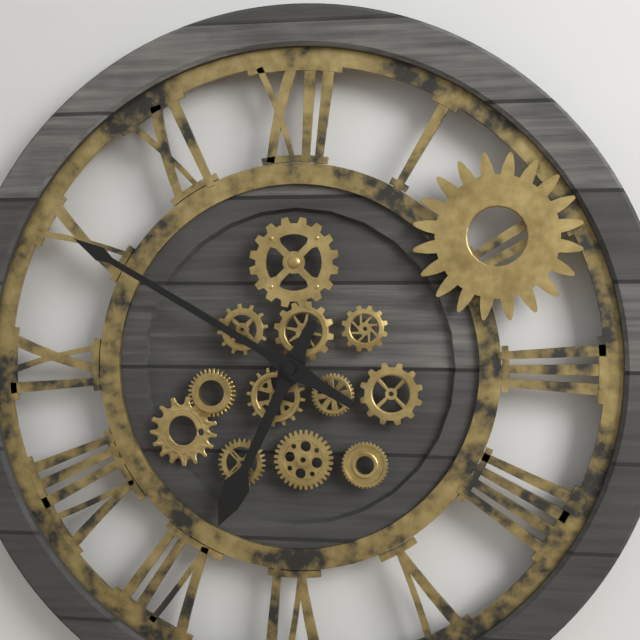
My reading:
6 h 50 min
